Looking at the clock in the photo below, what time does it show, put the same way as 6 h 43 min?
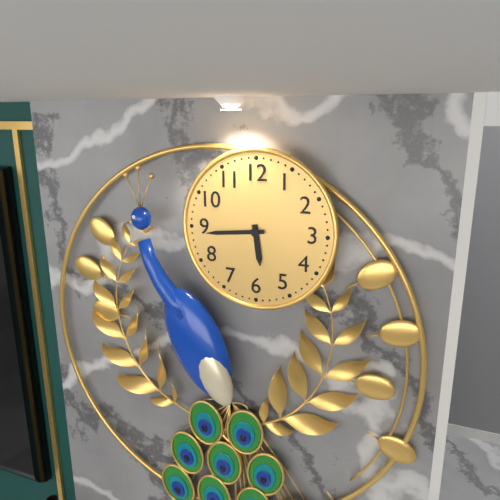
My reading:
5 h 44 min
